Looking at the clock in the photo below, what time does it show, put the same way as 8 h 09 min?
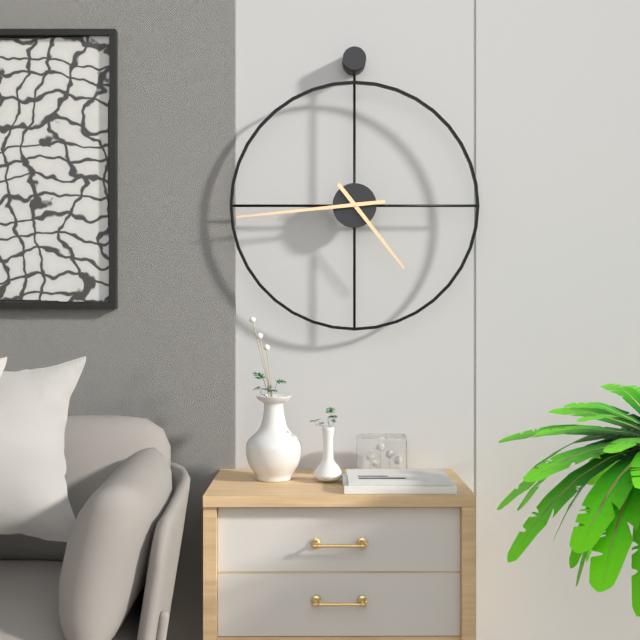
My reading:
4 h 44 min
